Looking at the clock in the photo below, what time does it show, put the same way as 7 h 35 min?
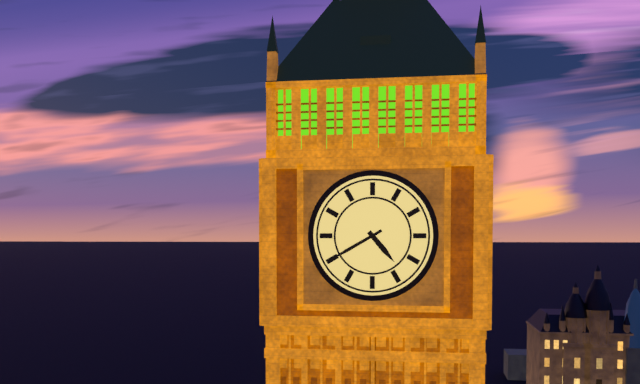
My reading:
4 h 40 min
